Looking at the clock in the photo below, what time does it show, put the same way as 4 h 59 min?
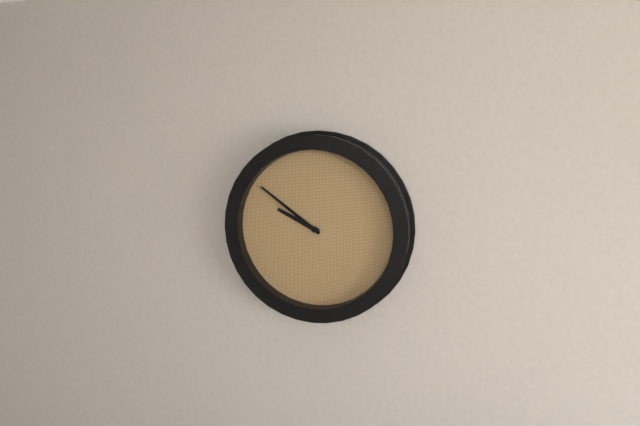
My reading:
9 h 51 min
